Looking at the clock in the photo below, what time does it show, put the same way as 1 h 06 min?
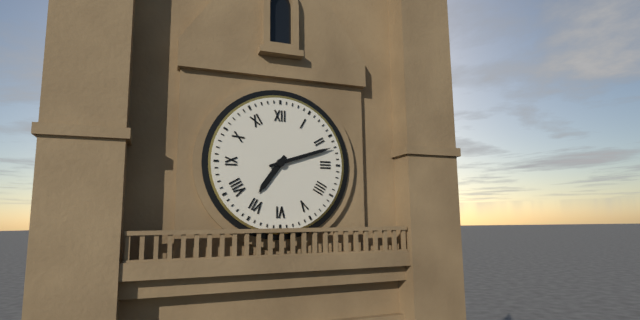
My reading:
7 h 12 min
